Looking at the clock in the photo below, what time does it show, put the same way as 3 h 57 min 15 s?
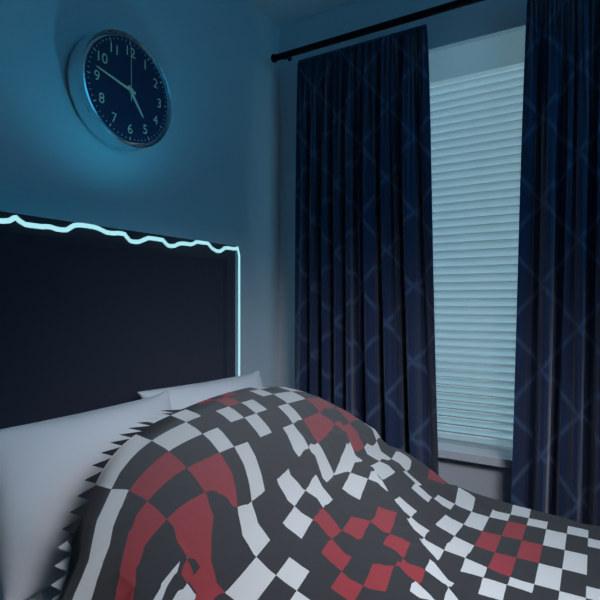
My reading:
4 h 47 min 00 s
